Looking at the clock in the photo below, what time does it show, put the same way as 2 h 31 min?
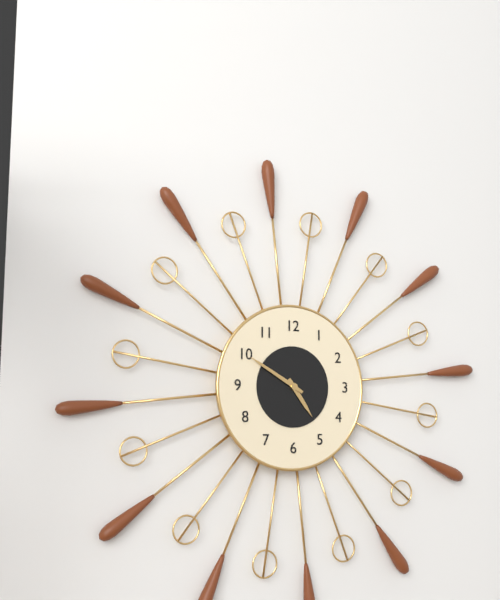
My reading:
4 h 50 min
